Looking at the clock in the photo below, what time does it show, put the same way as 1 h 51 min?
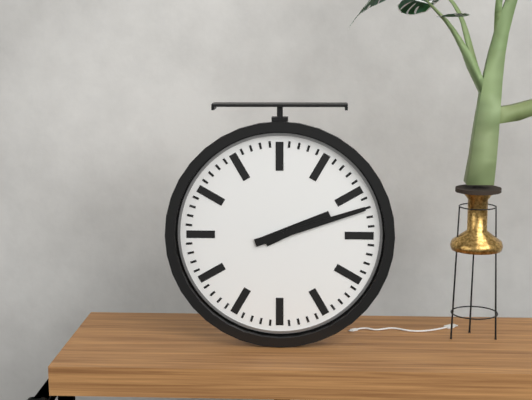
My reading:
2 h 12 min
